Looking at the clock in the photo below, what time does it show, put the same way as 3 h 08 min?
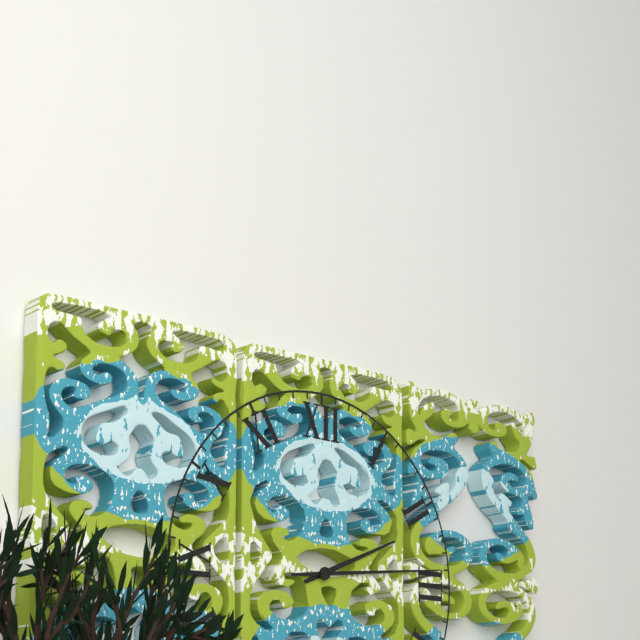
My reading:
2 h 14 min
